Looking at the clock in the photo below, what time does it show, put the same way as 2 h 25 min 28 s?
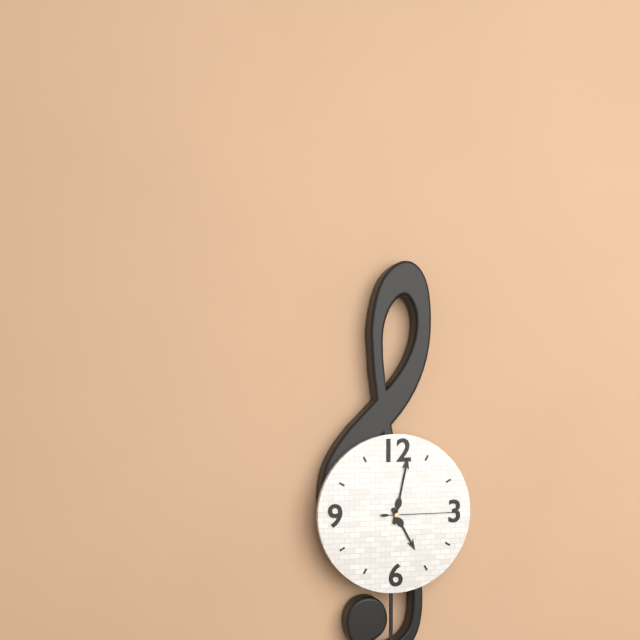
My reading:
5 h 02 min 15 s
